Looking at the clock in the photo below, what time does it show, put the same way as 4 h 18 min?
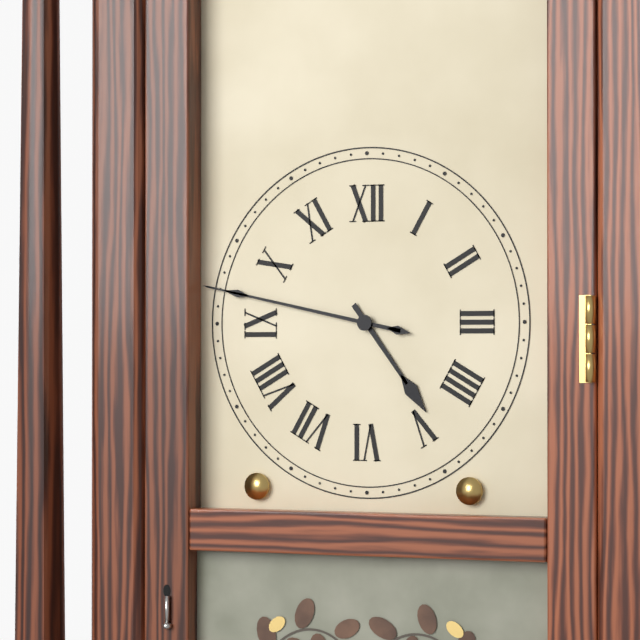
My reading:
4 h 47 min
